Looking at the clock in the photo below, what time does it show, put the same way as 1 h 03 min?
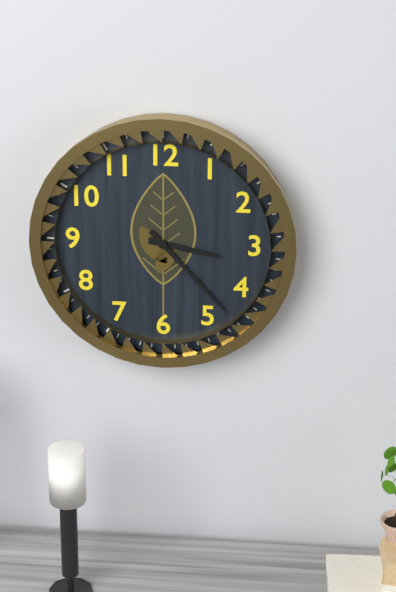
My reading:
3 h 23 min
